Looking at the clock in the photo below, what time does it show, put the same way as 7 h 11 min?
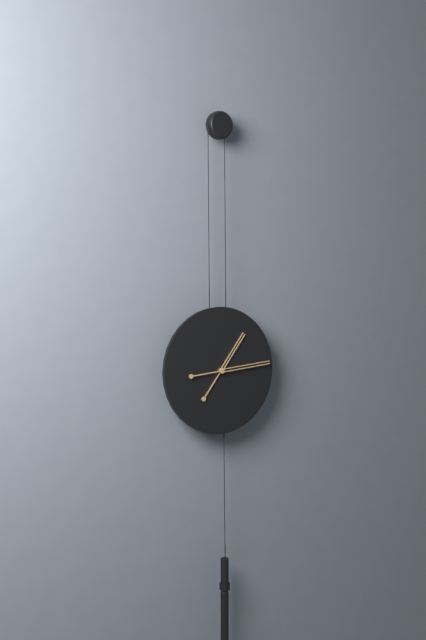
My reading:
1 h 14 min
